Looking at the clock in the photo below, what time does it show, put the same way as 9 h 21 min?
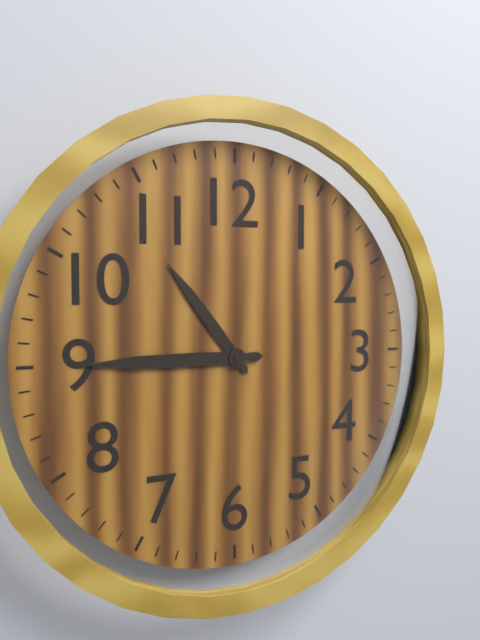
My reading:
10 h 45 min
